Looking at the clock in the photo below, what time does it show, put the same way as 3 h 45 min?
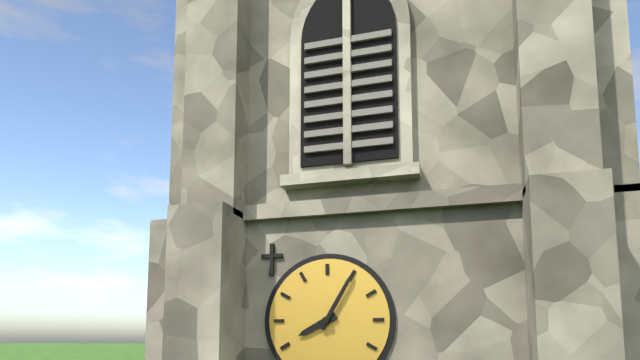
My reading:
8 h 05 min
